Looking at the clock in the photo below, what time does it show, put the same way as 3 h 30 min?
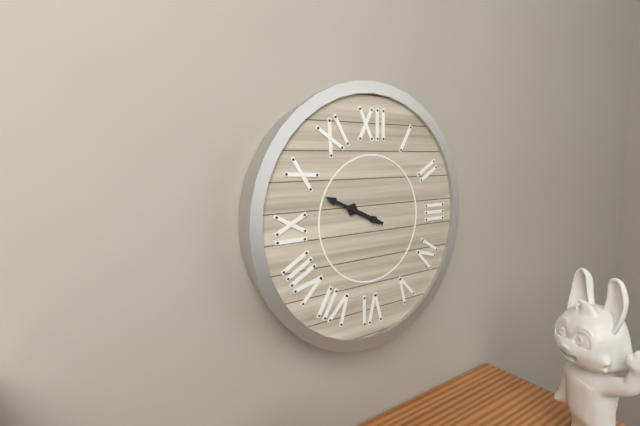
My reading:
9 h 49 min
